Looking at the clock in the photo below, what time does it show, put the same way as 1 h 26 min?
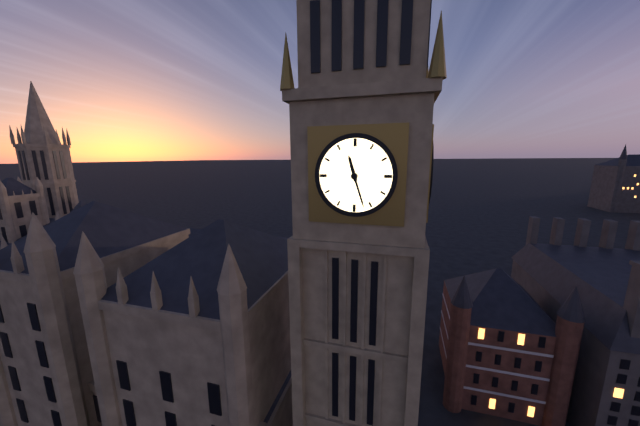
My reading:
11 h 27 min
